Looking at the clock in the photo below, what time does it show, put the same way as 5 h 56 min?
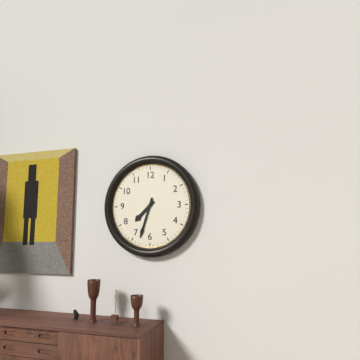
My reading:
7 h 33 min
